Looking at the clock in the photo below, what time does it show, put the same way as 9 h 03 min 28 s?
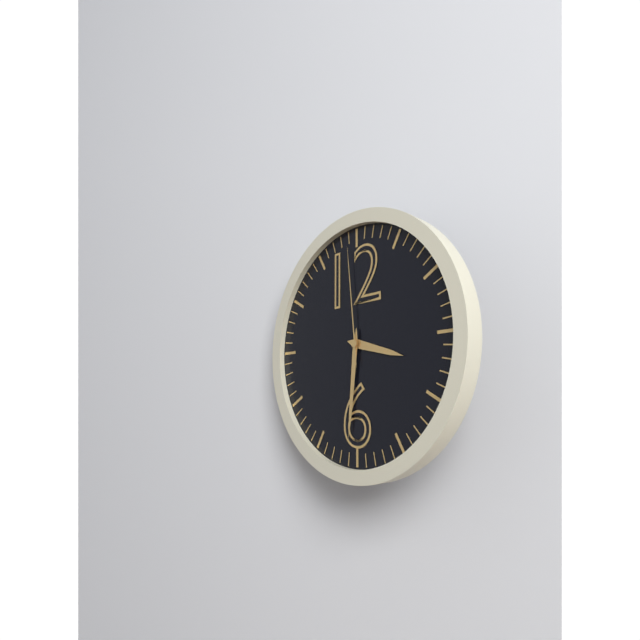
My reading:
3 h 31 min 59 s
